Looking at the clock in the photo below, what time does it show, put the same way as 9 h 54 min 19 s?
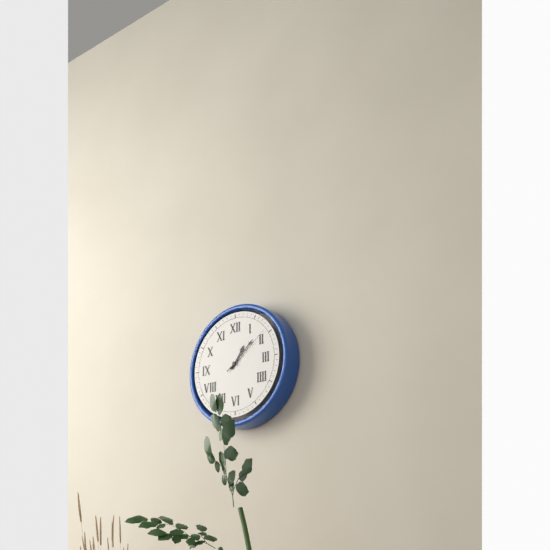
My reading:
1 h 08 min 09 s
